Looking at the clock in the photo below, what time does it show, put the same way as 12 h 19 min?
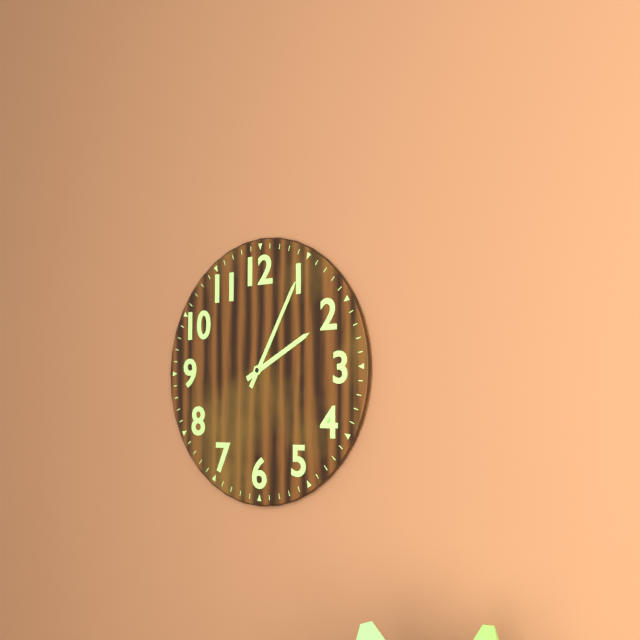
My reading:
2 h 05 min
